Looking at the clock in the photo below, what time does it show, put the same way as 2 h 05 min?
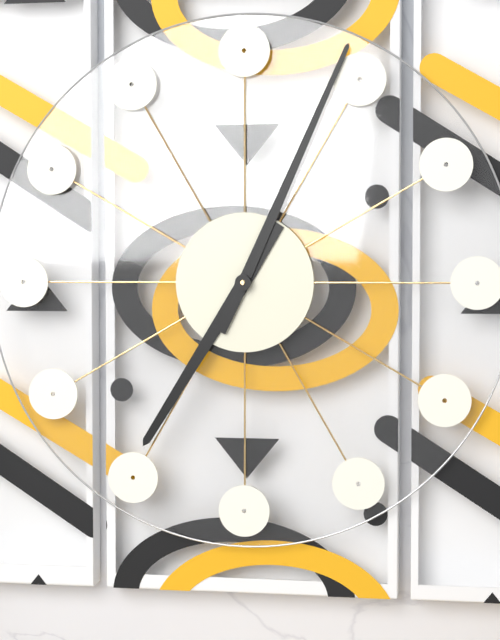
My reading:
7 h 04 min
